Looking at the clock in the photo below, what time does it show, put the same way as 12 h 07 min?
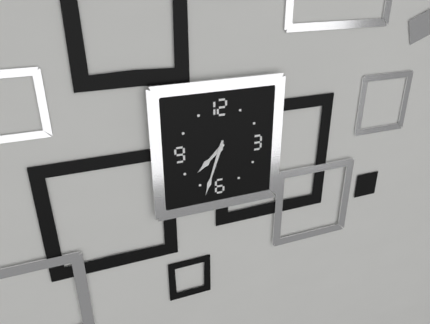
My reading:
7 h 33 min
